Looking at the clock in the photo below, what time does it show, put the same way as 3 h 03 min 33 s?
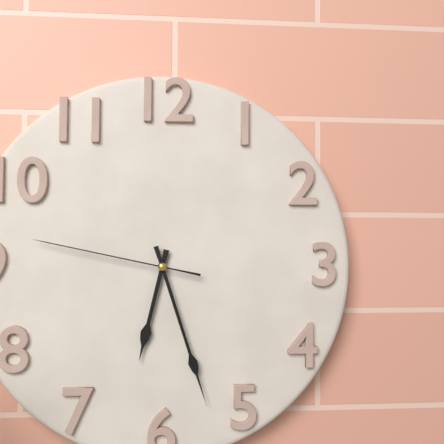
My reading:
6 h 27 min 47 s
